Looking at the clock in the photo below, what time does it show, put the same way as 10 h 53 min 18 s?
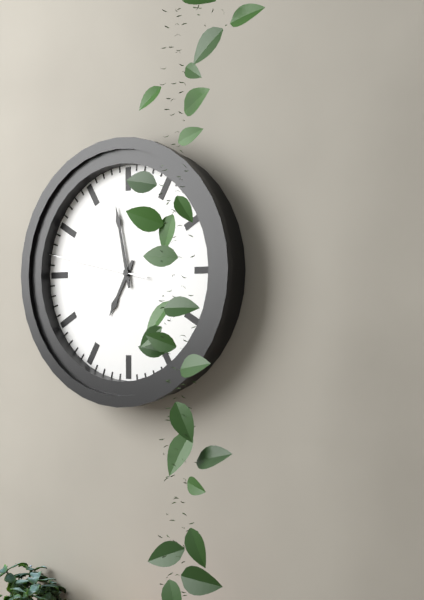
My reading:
6 h 58 min 47 s
